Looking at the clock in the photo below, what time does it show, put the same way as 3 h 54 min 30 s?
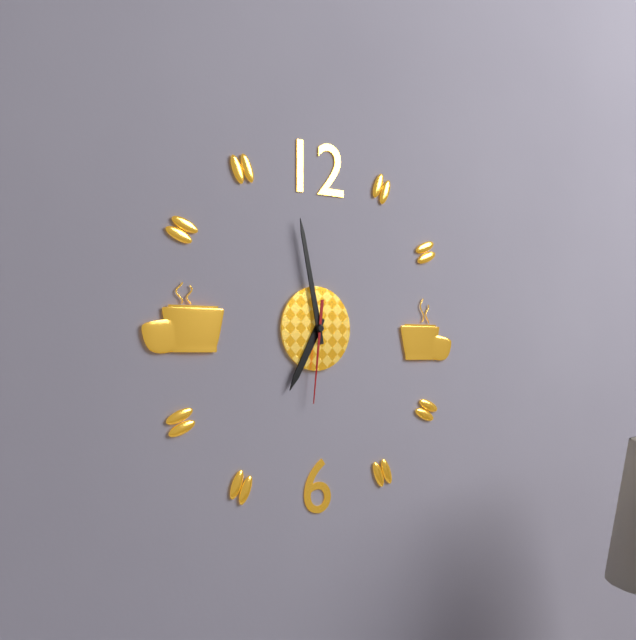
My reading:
6 h 58 min 31 s
